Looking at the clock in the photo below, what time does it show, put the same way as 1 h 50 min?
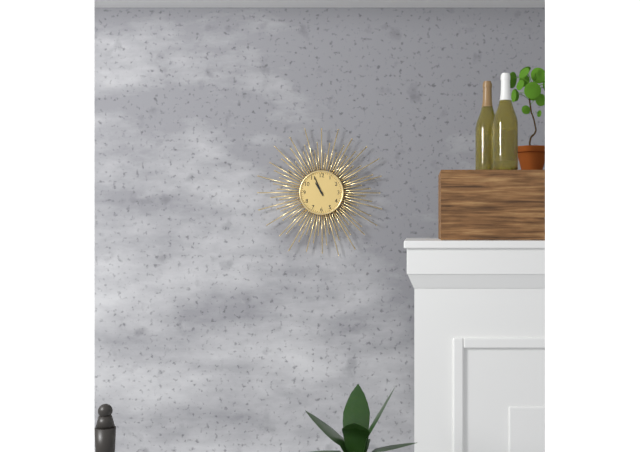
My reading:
10 h 56 min
